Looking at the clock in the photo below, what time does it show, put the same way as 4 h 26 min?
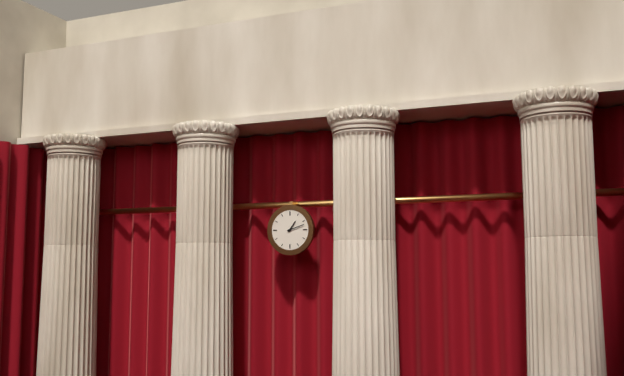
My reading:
1 h 12 min
